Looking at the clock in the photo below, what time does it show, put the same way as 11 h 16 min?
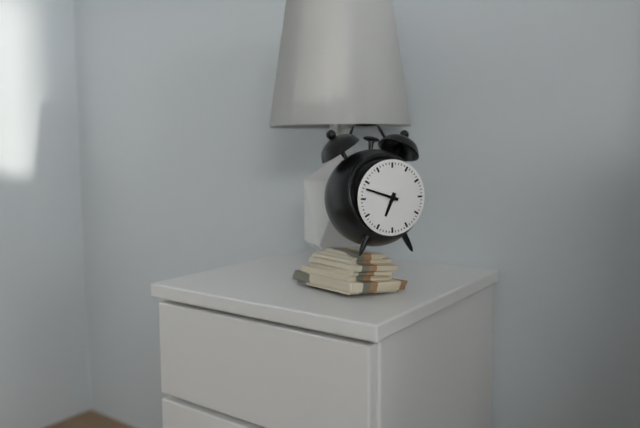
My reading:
6 h 48 min
